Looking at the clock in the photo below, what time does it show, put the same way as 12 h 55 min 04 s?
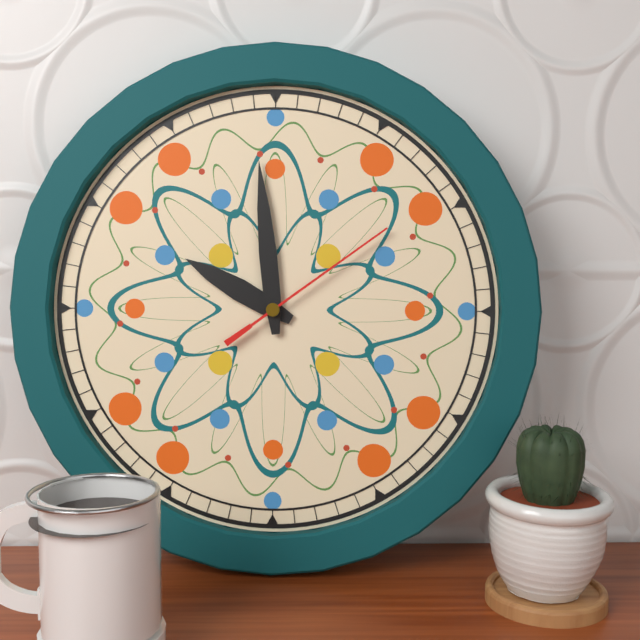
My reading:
9 h 59 min 09 s
